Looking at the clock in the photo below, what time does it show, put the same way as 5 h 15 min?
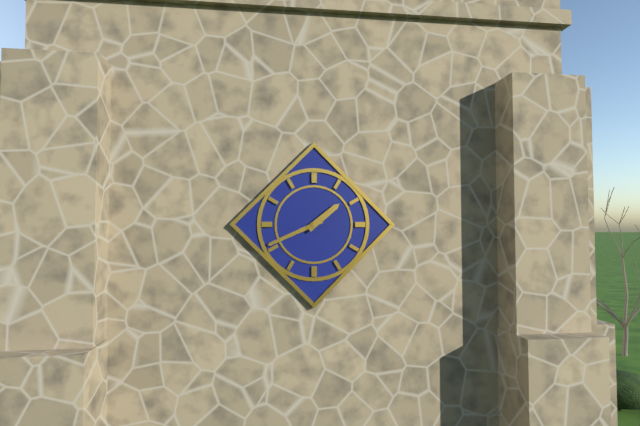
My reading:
1 h 41 min
